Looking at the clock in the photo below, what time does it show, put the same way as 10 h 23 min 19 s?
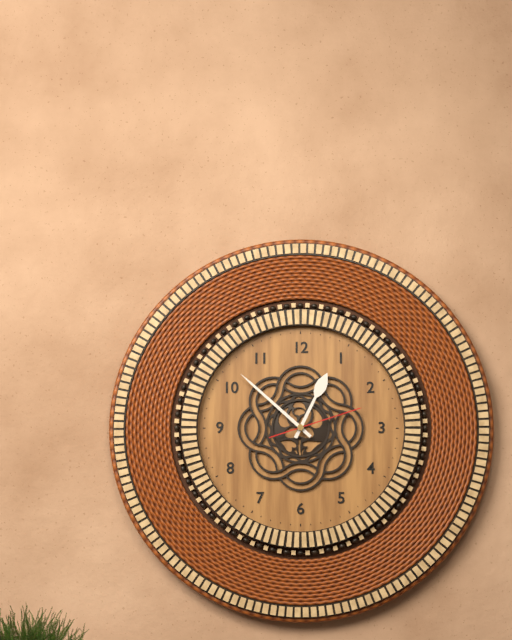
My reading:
12 h 52 min 12 s
